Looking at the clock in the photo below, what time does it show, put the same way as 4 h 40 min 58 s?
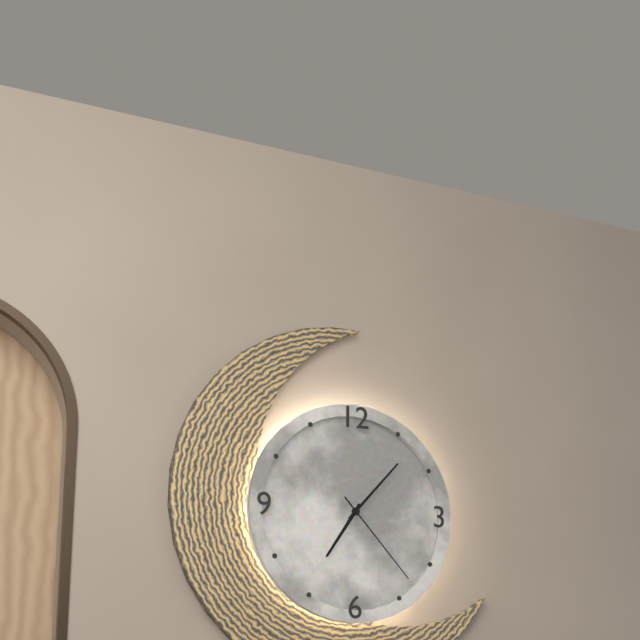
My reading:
7 h 07 min 23 s
